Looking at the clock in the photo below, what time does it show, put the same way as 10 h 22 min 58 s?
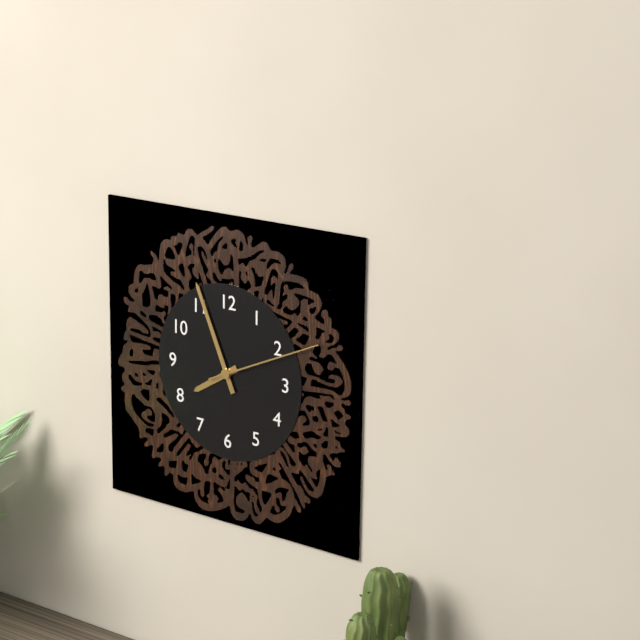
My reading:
7 h 56 min 11 s
